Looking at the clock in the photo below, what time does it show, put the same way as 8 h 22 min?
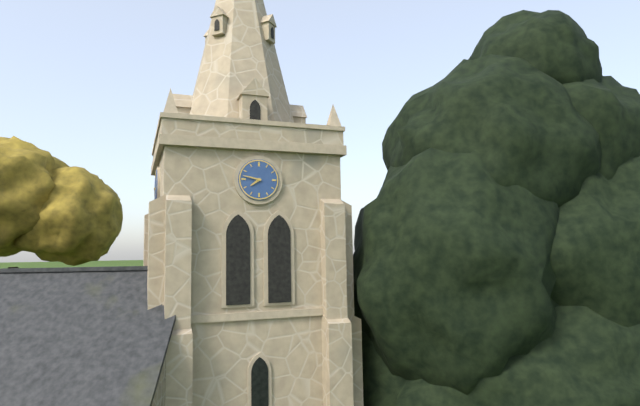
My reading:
7 h 47 min
